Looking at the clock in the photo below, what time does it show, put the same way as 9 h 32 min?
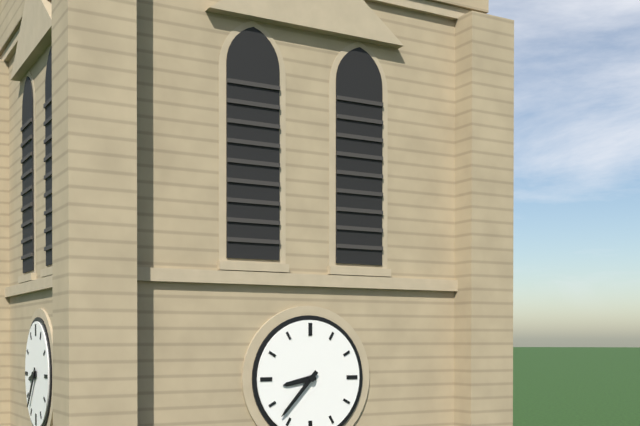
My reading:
8 h 37 min
